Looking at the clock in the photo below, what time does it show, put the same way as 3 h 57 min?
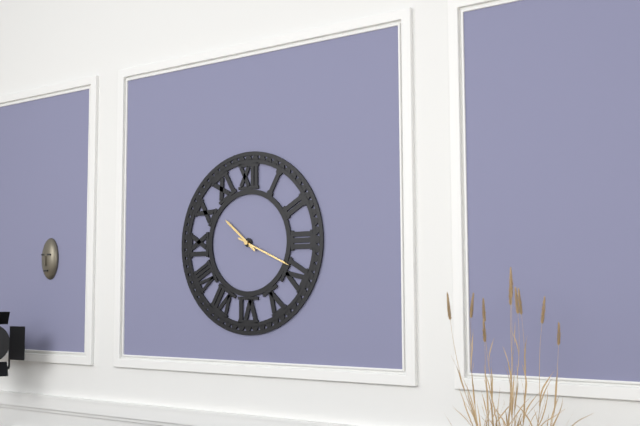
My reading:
10 h 19 min
